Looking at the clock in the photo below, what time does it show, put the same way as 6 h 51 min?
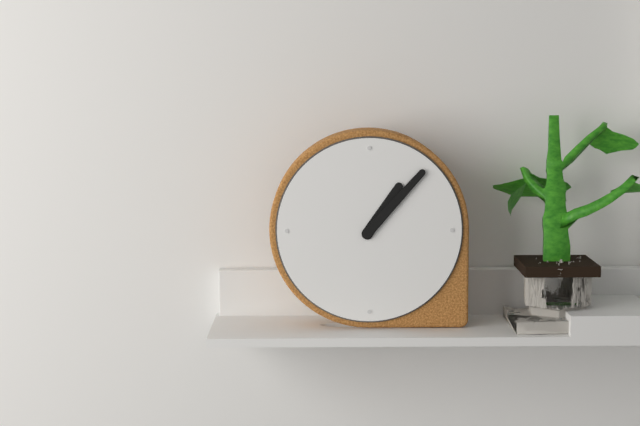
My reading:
1 h 07 min
